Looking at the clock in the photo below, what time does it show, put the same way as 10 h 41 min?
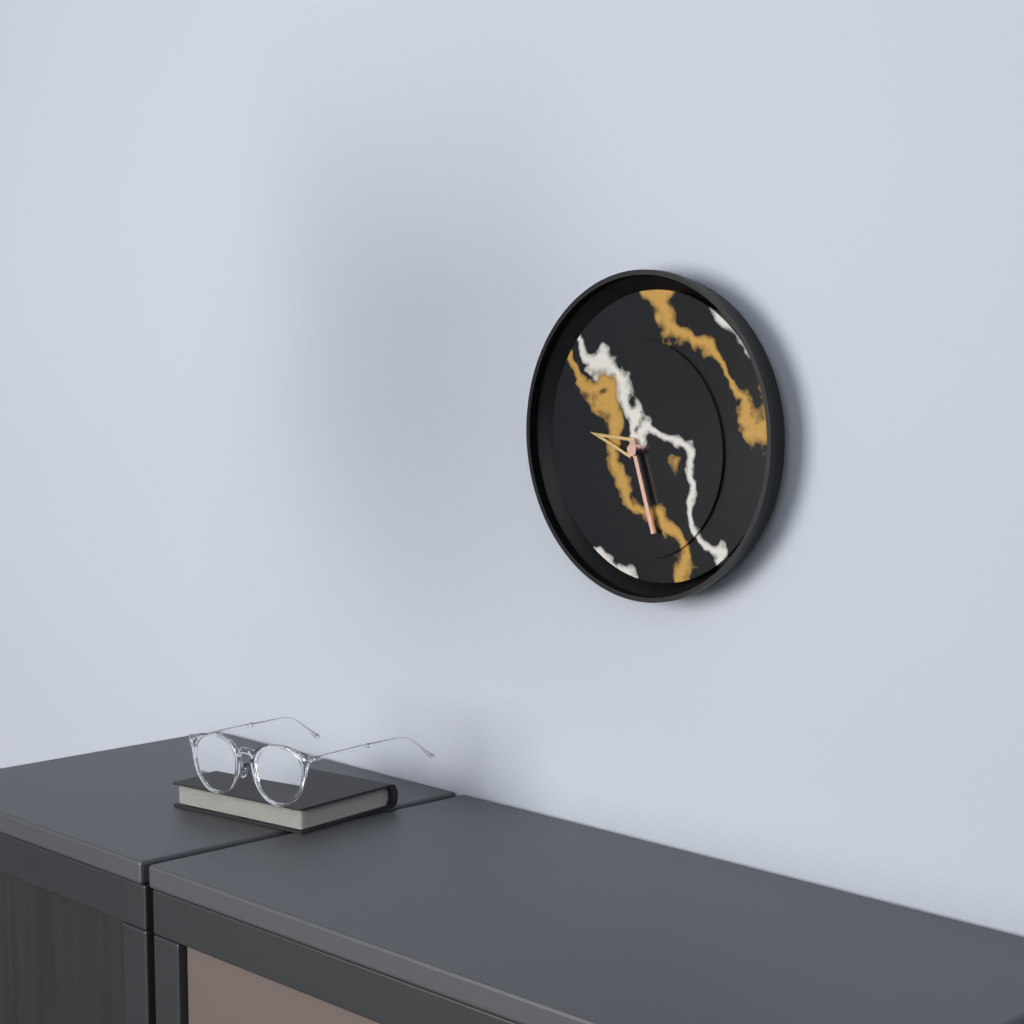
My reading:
9 h 27 min
